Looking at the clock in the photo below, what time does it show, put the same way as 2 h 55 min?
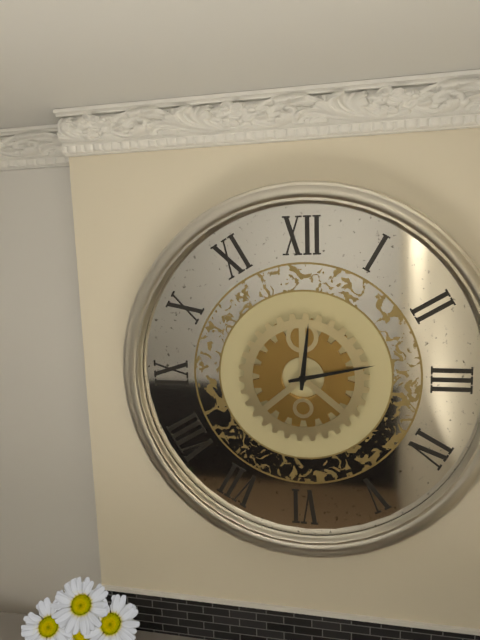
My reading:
12 h 13 min
